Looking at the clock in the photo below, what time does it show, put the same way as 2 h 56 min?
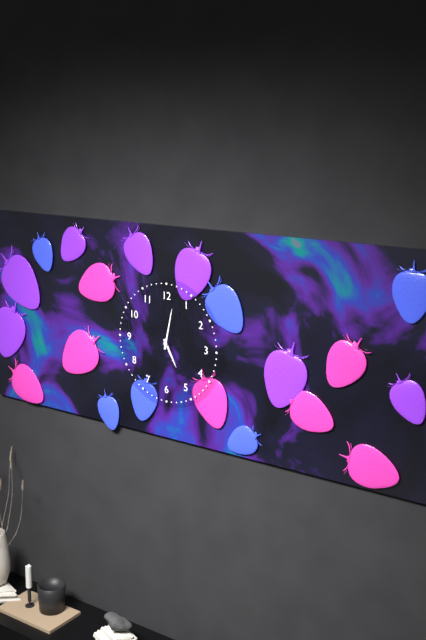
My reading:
5 h 02 min
